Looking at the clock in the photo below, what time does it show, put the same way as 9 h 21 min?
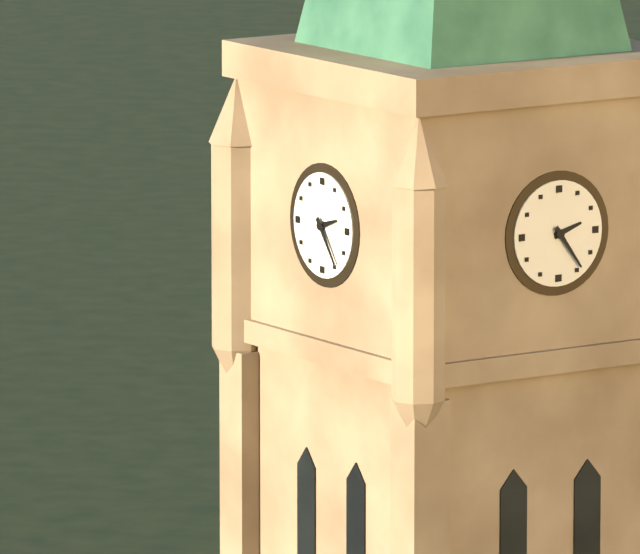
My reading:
2 h 24 min
